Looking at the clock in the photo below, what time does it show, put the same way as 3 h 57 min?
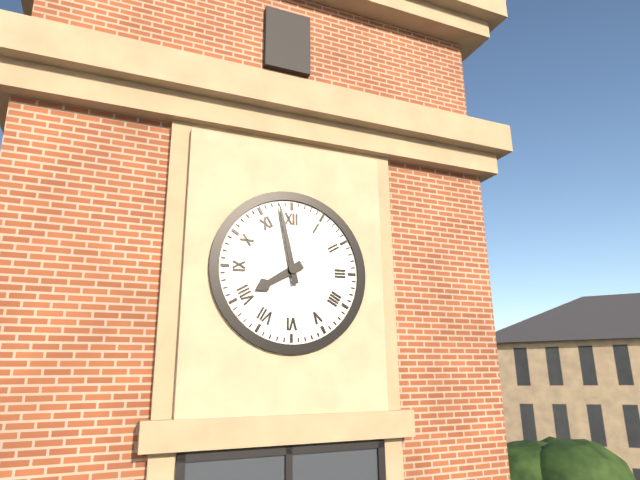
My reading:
7 h 58 min
